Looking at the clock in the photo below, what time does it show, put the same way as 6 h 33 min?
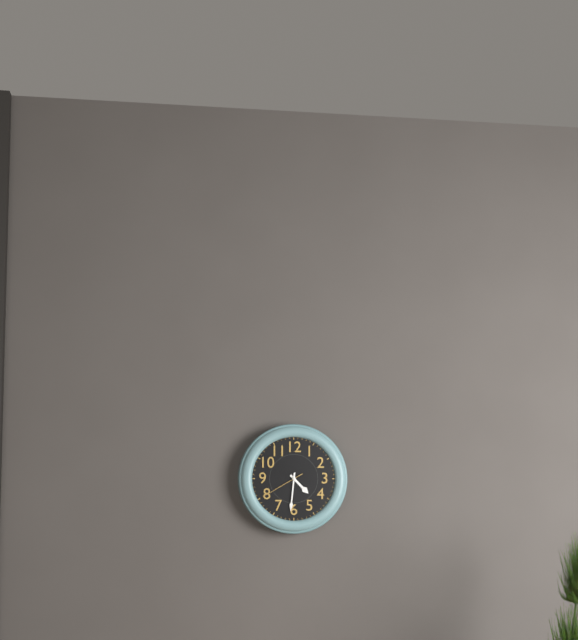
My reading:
4 h 31 min
